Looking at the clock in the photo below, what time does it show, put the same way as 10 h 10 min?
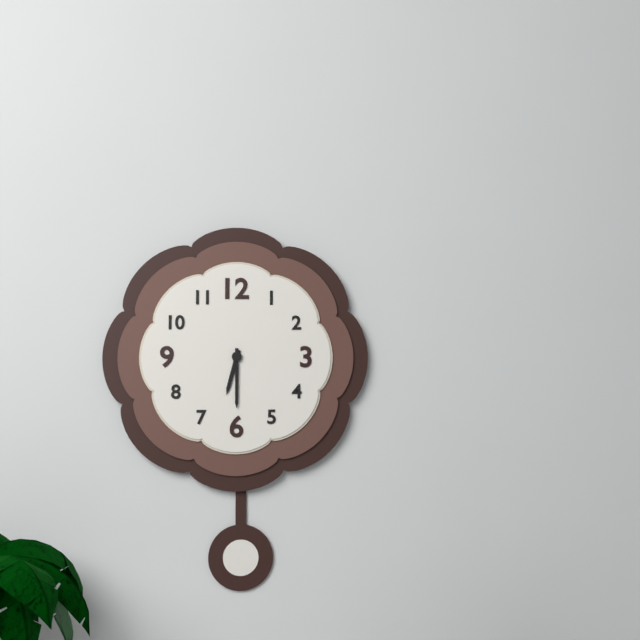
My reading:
6 h 30 min
